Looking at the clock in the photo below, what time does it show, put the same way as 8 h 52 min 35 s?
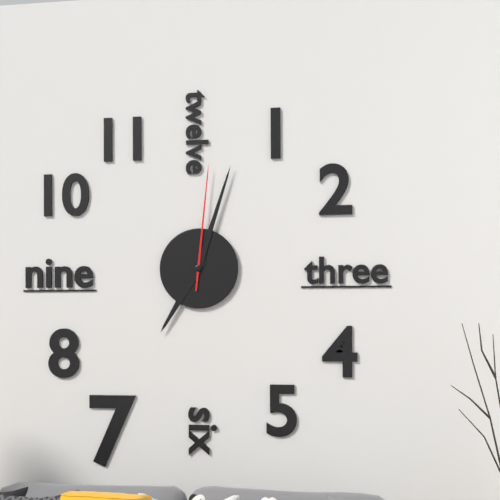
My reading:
7 h 03 min 01 s
